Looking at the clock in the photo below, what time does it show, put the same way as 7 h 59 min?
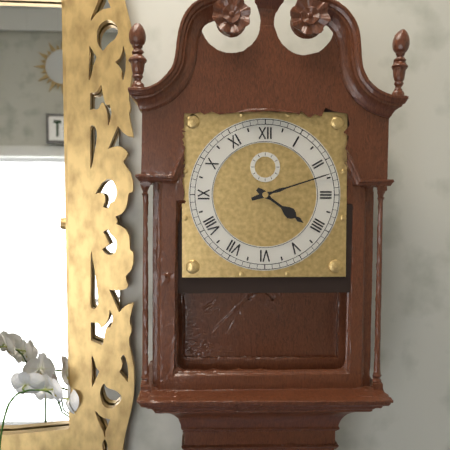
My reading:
4 h 12 min
